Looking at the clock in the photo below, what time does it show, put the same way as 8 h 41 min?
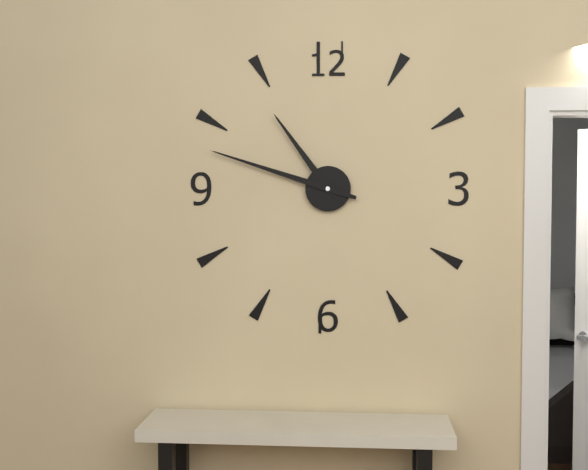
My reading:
10 h 48 min
